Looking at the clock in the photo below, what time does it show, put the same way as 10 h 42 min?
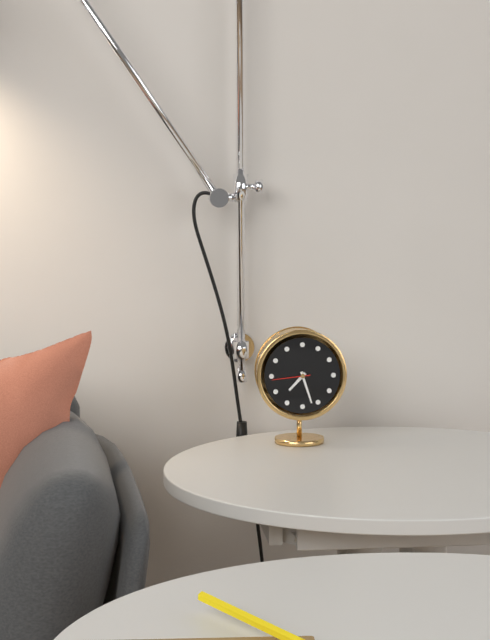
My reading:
7 h 27 min
